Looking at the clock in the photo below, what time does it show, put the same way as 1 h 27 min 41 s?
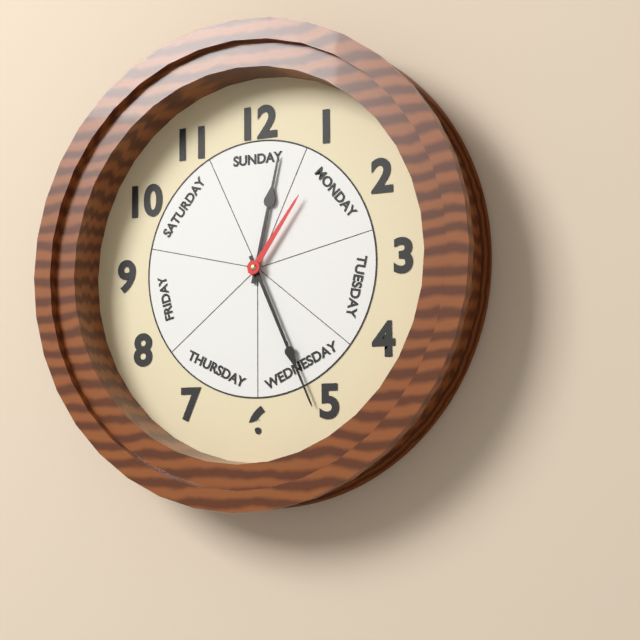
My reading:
12 h 26 min 06 s
